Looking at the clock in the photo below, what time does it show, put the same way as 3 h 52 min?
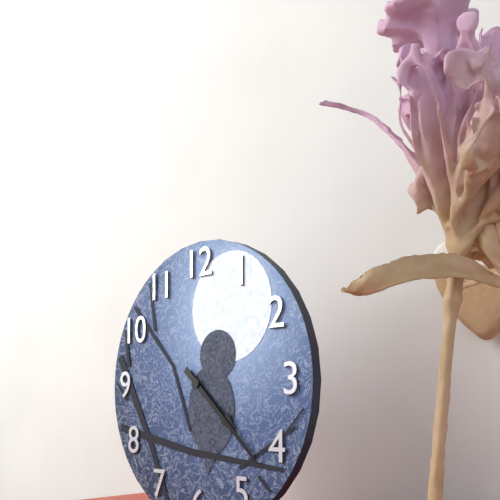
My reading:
4 h 22 min
